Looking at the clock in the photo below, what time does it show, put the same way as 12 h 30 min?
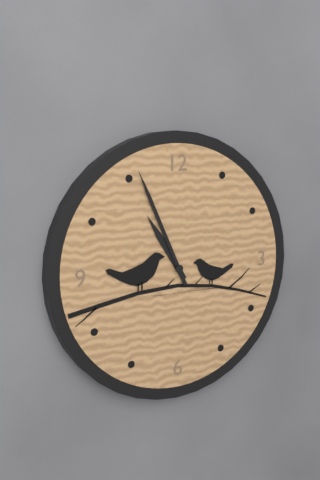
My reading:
10 h 56 min
